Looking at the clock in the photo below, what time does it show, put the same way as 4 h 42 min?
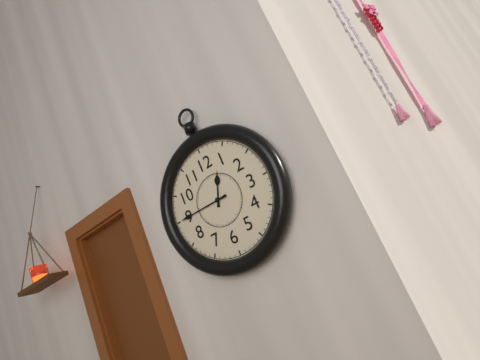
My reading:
12 h 45 min
